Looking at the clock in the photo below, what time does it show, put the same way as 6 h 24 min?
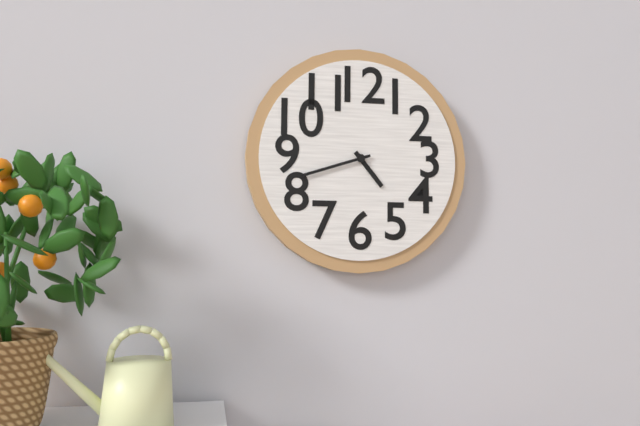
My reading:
4 h 42 min
